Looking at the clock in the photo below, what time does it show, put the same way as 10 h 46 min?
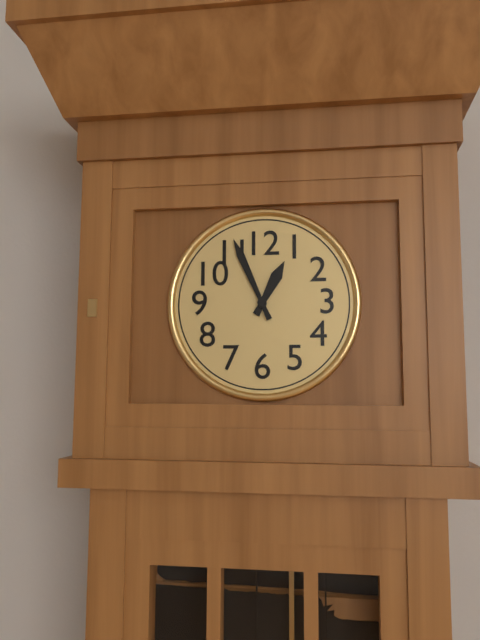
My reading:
12 h 56 min
